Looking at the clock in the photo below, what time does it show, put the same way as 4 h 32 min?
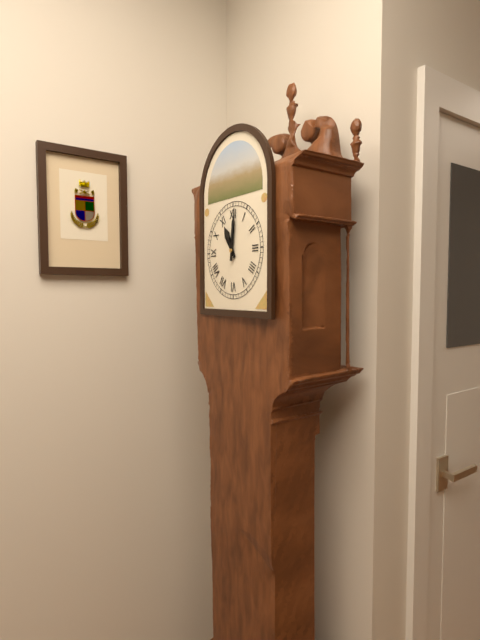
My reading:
11 h 01 min
